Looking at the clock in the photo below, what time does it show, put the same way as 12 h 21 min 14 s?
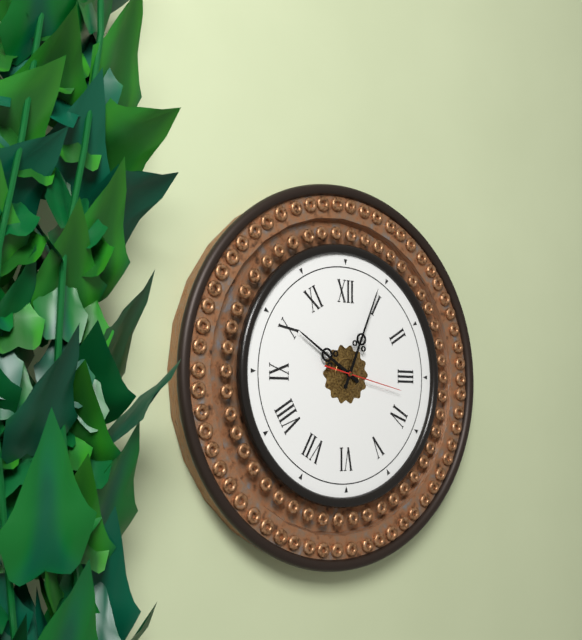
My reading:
10 h 04 min 17 s
